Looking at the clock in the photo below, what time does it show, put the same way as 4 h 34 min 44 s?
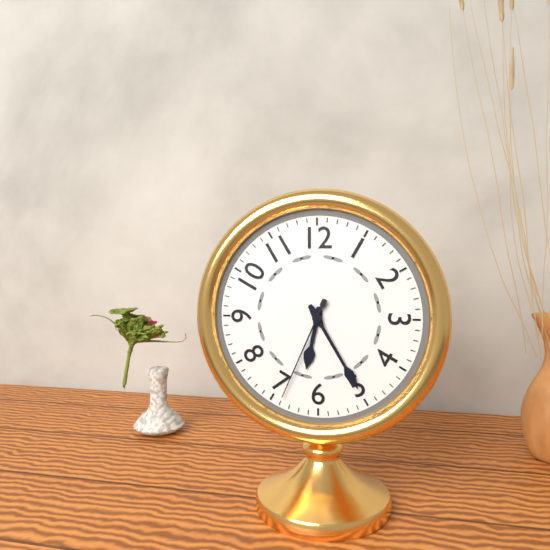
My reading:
6 h 25 min 34 s
